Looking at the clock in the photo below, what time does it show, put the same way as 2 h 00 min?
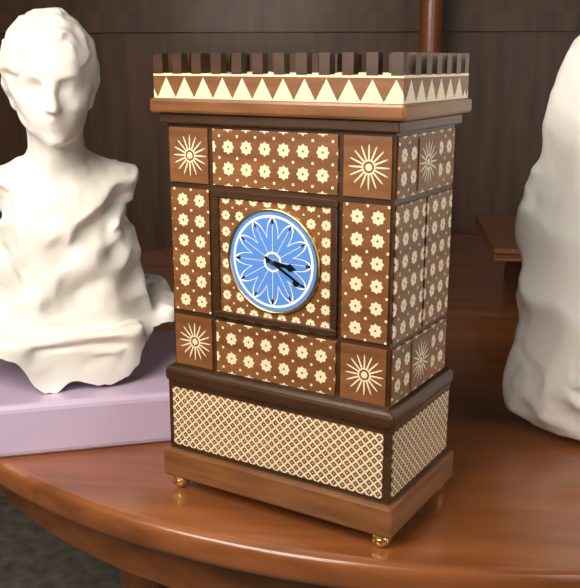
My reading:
3 h 20 min
